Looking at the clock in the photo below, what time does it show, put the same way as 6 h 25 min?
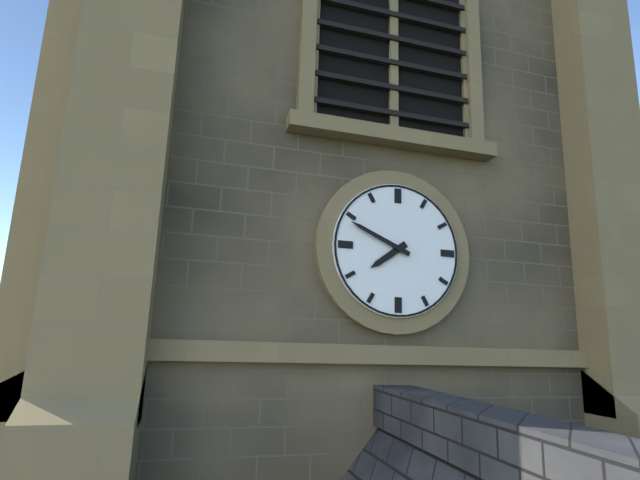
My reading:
7 h 49 min
